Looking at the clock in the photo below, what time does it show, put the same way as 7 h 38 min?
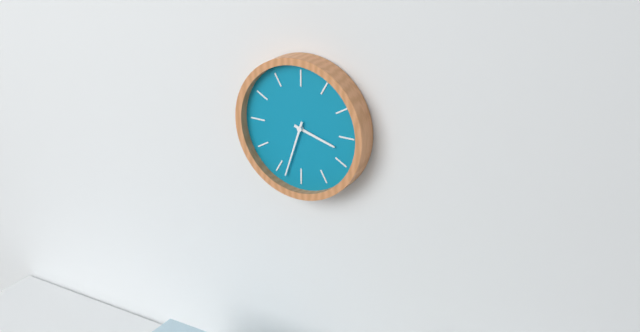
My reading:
3 h 33 min
